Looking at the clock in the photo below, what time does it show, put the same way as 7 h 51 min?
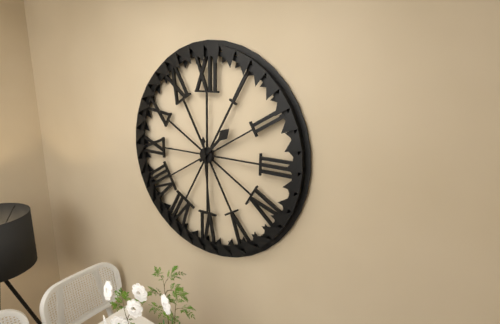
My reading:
1 h 29 min
